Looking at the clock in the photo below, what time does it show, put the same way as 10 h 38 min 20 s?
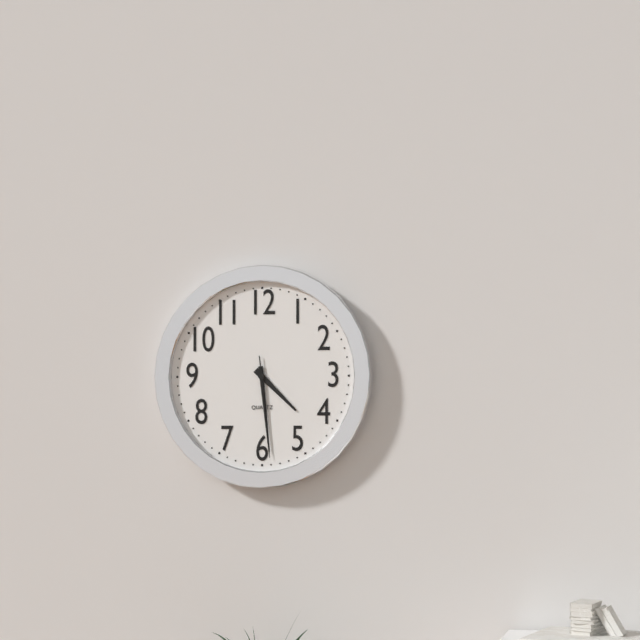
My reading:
4 h 29 min 29 s
